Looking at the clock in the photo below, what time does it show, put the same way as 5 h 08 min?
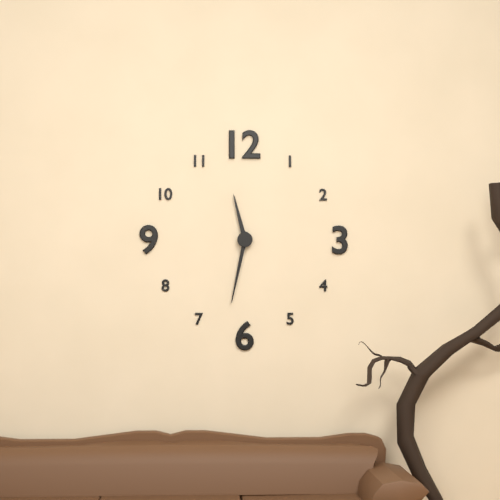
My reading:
11 h 32 min
